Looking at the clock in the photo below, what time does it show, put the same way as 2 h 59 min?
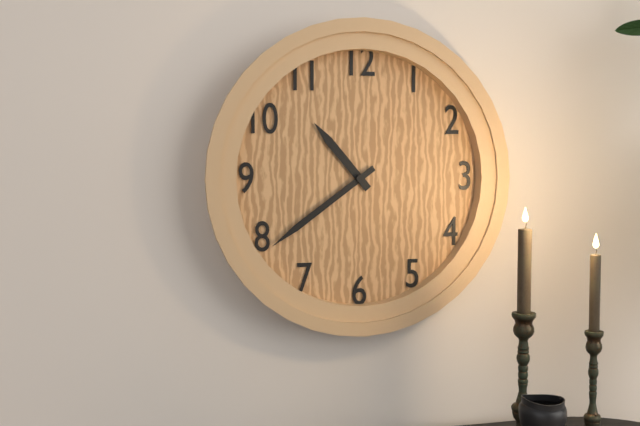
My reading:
10 h 39 min
